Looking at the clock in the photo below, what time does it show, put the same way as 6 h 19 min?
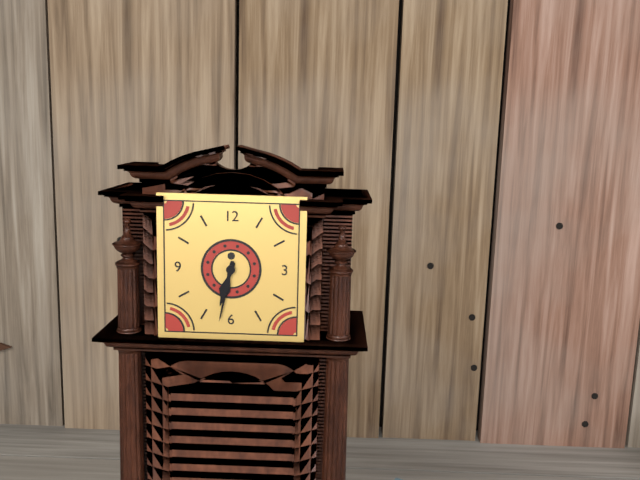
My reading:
6 h 32 min
